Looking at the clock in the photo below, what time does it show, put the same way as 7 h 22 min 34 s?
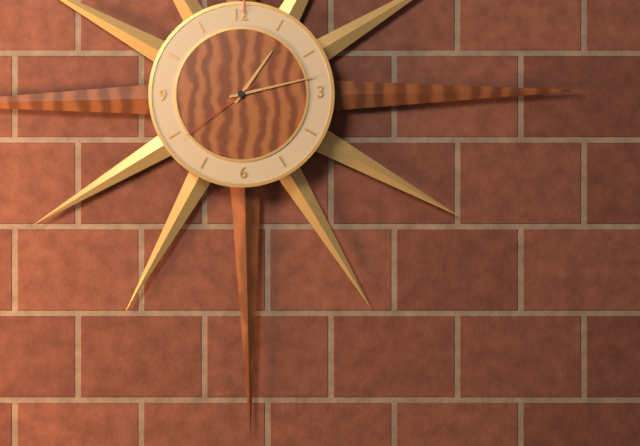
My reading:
1 h 13 min 39 s
